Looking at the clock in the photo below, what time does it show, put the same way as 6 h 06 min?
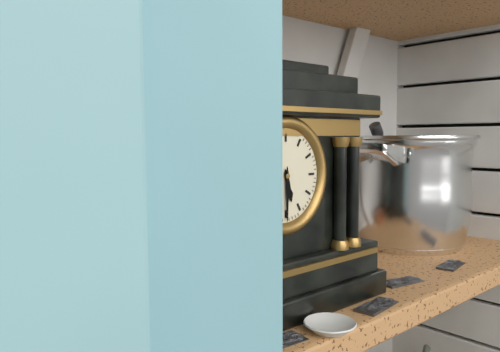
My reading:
5 h 30 min
